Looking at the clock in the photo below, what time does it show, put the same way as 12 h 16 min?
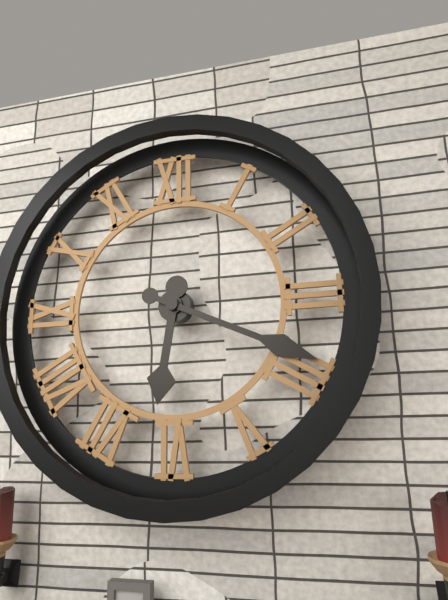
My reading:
6 h 19 min
